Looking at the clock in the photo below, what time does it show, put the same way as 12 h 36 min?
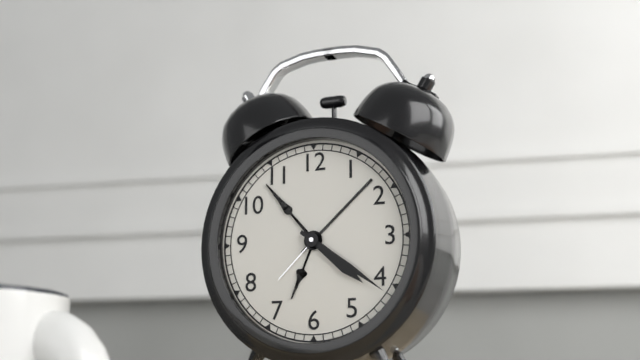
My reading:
4 h 21 min
